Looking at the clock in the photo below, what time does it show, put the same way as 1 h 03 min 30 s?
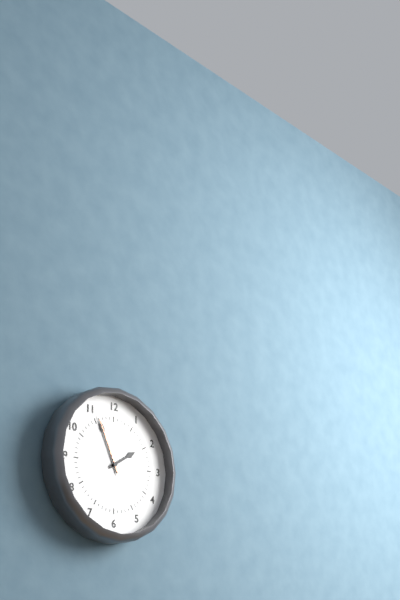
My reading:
1 h 56 min 56 s
